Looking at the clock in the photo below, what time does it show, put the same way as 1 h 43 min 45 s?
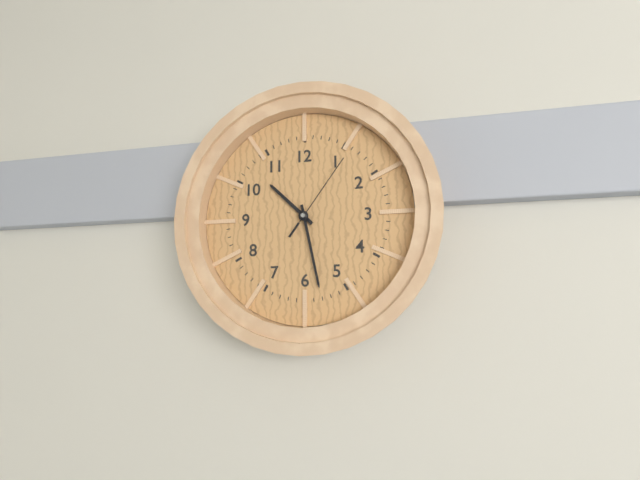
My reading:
10 h 28 min 06 s
